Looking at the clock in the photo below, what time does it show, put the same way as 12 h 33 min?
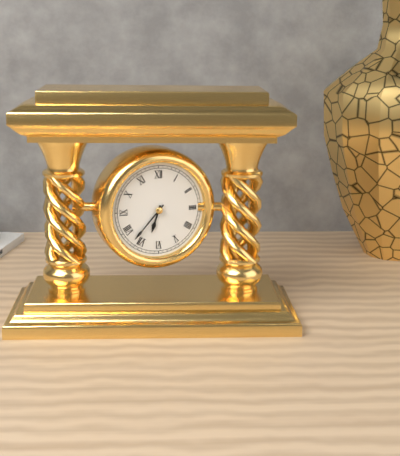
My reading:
6 h 37 min
